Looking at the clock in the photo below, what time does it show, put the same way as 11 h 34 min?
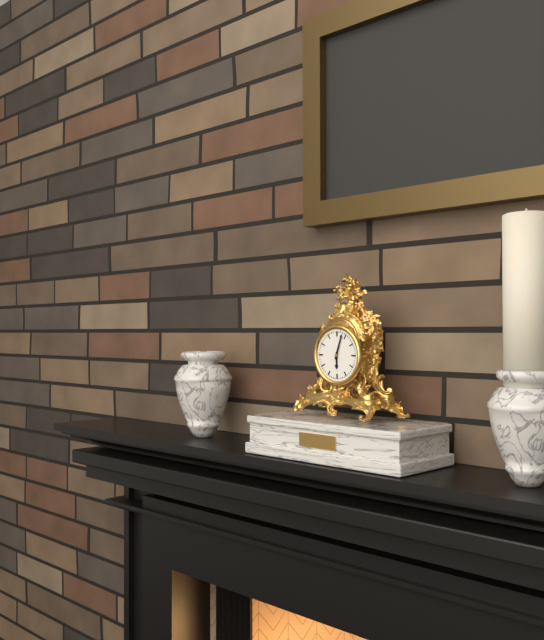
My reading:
6 h 03 min
